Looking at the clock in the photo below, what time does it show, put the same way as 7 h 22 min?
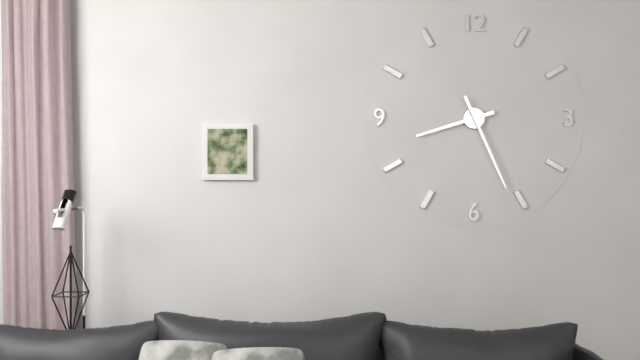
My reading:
8 h 26 min
